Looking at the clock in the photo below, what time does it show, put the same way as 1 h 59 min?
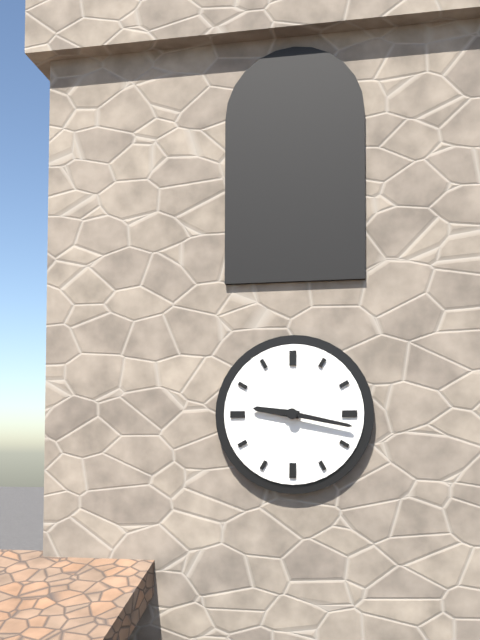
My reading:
9 h 17 min
